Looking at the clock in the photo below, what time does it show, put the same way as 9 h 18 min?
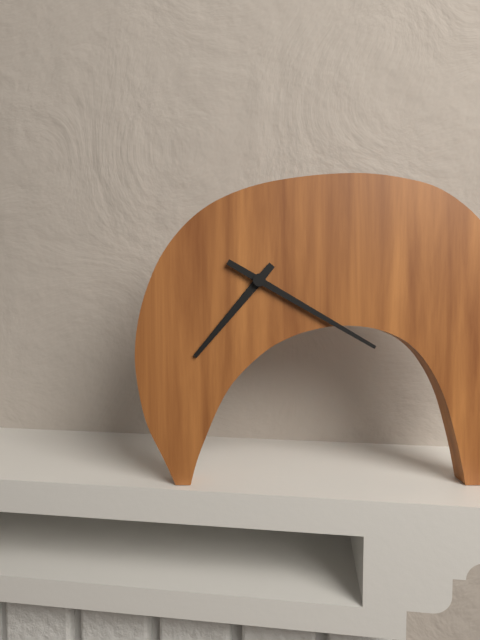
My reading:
7 h 20 min
